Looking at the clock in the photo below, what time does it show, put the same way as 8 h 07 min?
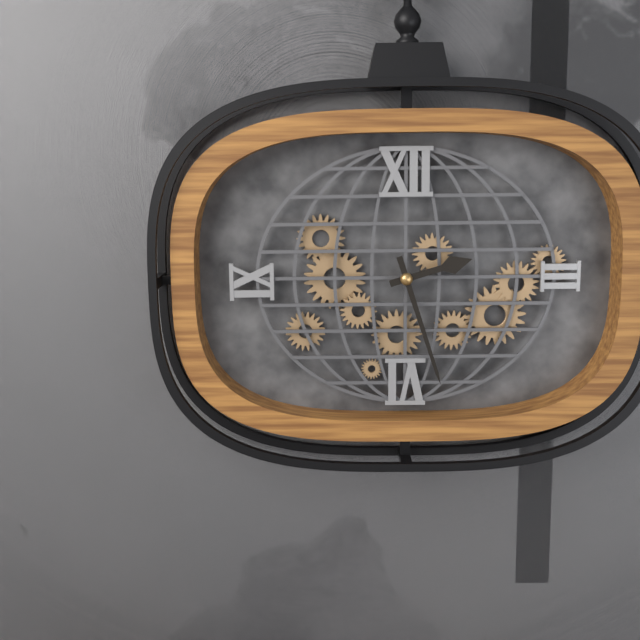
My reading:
2 h 27 min
